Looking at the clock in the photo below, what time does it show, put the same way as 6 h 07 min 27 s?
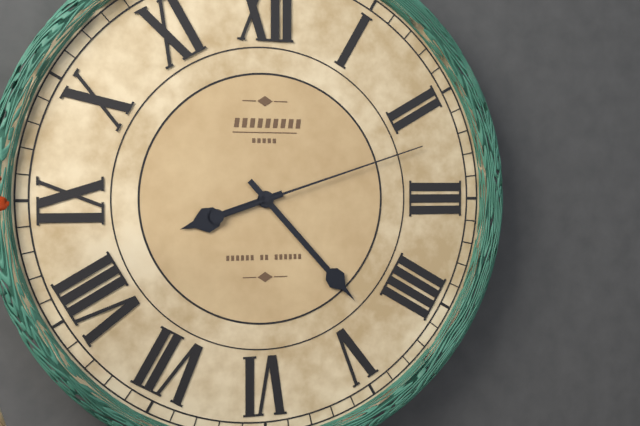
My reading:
8 h 23 min 12 s
